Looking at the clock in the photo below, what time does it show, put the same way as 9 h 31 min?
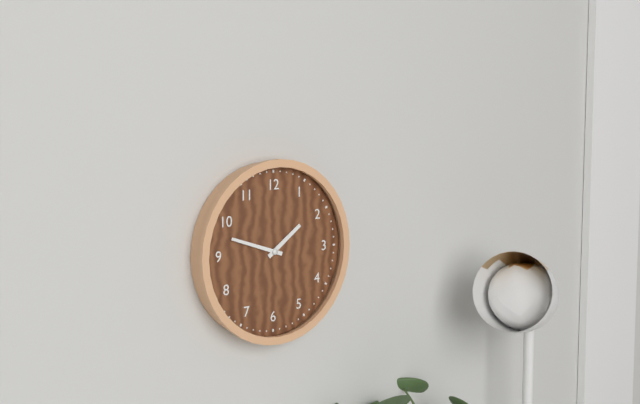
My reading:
1 h 48 min
